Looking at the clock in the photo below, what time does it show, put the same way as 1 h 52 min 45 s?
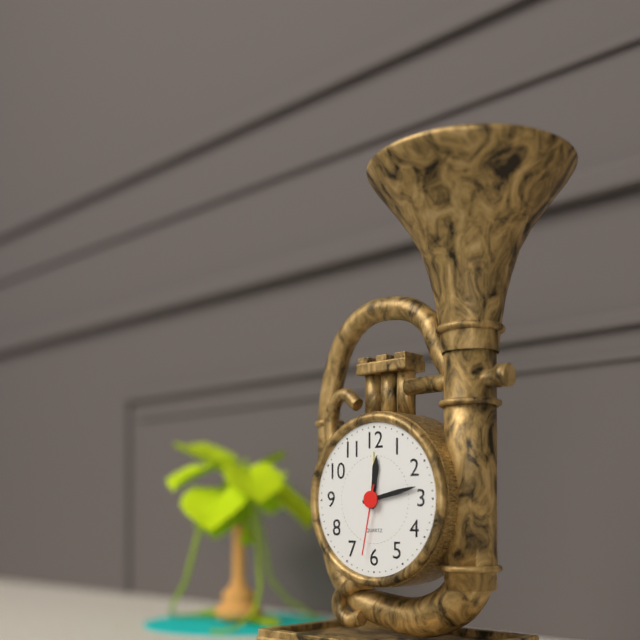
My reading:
12 h 13 min 32 s
